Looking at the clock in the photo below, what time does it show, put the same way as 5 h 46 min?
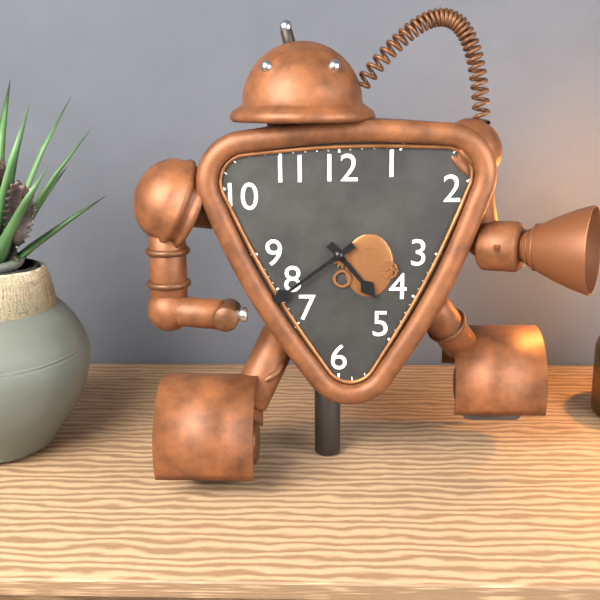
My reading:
4 h 39 min
